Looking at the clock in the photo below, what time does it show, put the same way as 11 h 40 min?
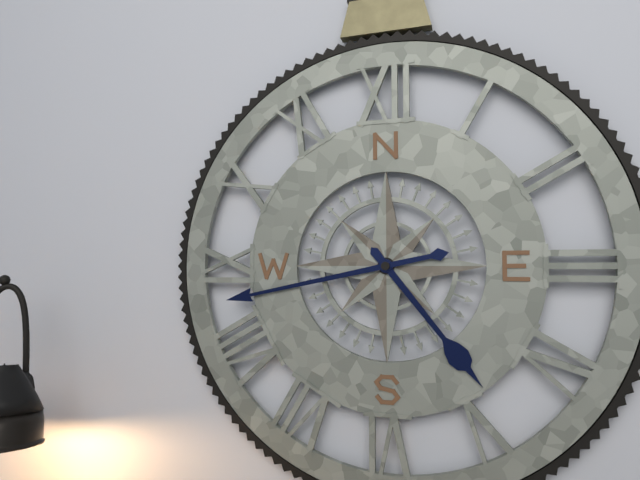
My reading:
4 h 43 min
